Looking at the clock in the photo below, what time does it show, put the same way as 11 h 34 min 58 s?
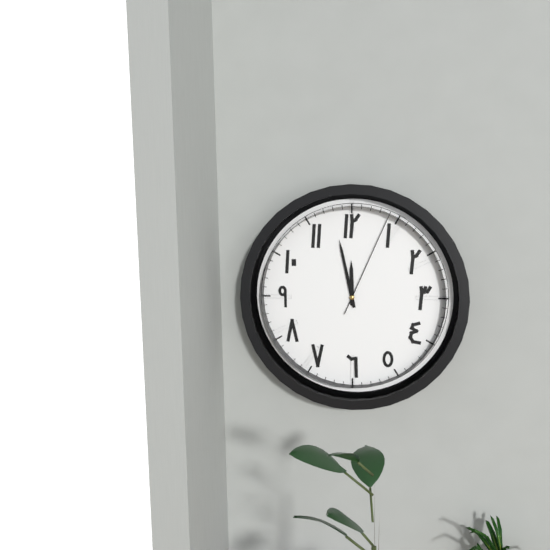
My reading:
11 h 58 min 04 s
